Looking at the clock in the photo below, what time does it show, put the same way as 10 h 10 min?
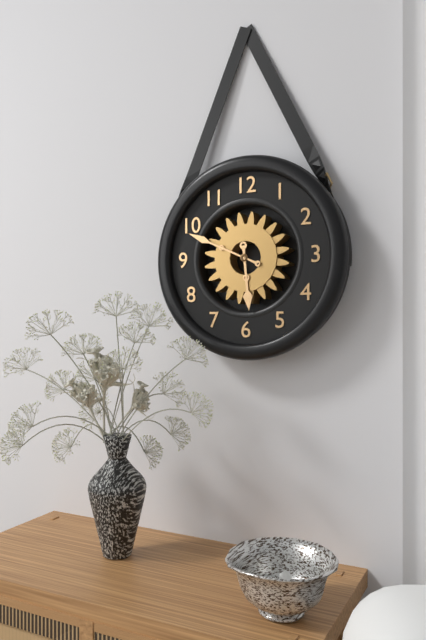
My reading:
5 h 49 min
